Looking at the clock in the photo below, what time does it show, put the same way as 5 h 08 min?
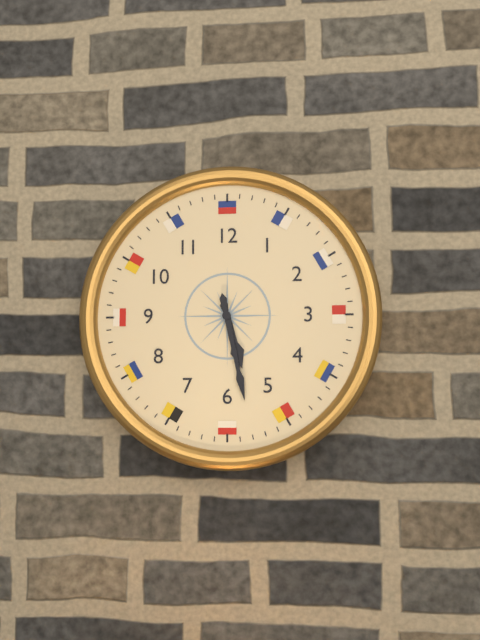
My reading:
5 h 28 min
